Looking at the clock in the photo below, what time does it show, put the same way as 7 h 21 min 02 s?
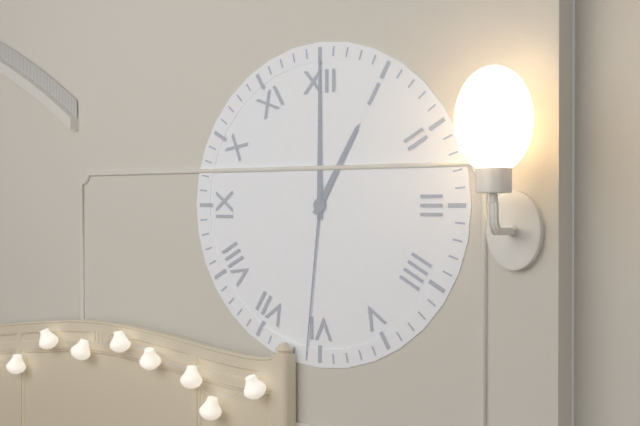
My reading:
1 h 00 min 31 s
